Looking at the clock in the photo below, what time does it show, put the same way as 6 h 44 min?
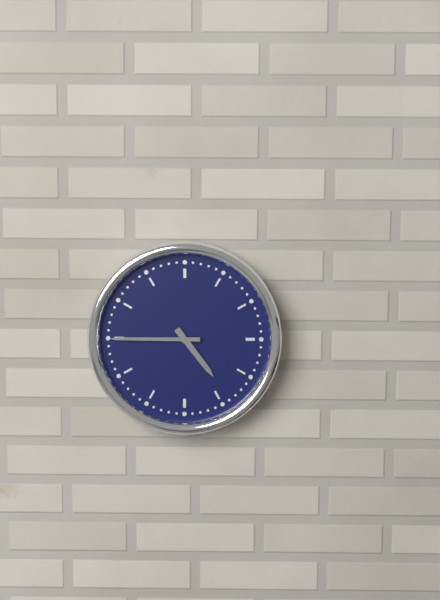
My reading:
4 h 45 min
